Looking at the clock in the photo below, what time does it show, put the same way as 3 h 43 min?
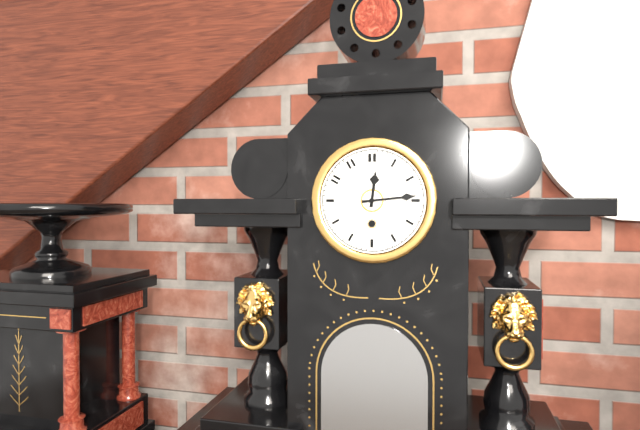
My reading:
12 h 14 min
